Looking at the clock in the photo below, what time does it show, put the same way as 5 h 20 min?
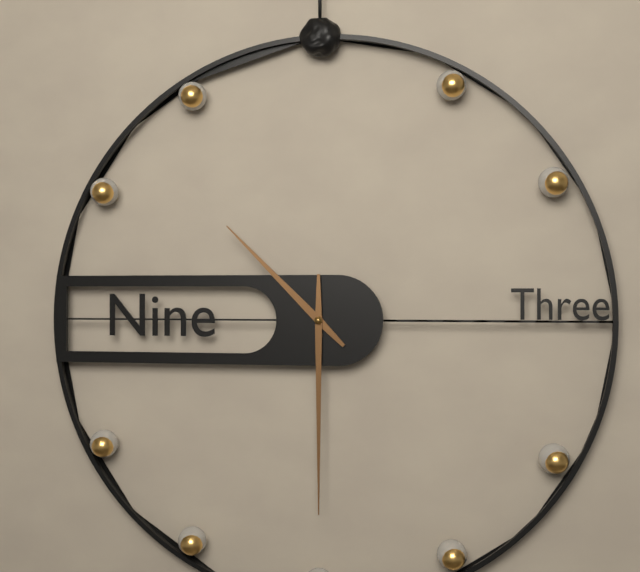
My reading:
10 h 30 min
